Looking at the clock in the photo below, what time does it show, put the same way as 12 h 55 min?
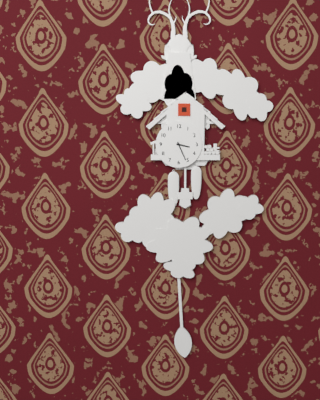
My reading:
3 h 26 min
